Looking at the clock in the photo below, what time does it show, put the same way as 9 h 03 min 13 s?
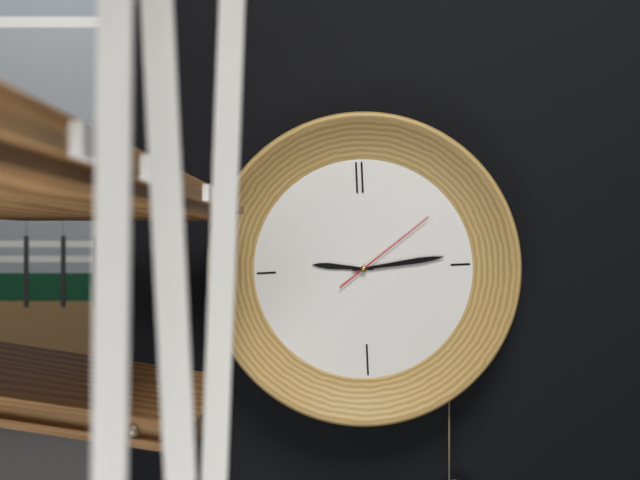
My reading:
9 h 14 min 09 s
